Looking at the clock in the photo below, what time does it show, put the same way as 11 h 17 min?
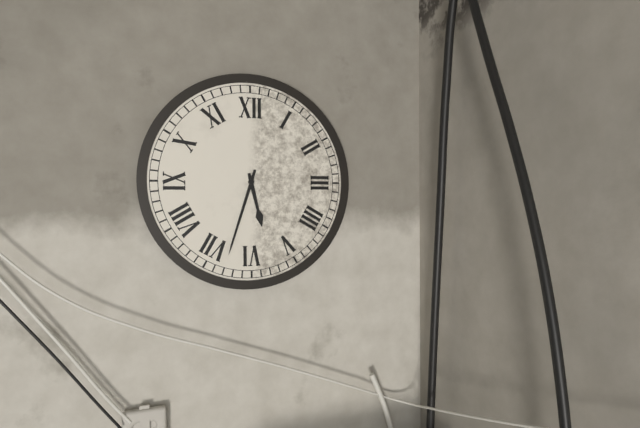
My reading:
5 h 33 min
